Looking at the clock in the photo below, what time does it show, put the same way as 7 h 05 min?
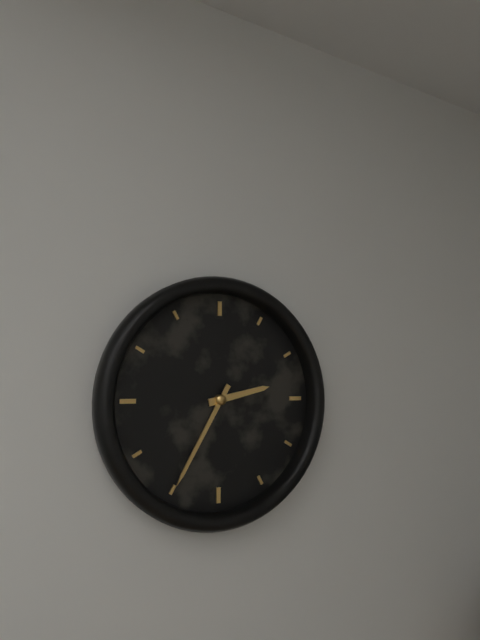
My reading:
2 h 35 min
